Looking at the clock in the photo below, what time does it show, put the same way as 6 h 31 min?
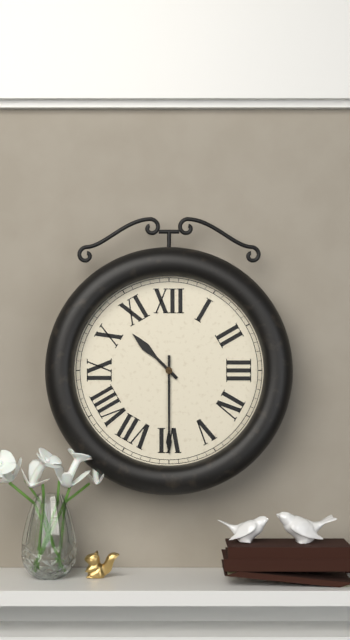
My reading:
10 h 30 min
